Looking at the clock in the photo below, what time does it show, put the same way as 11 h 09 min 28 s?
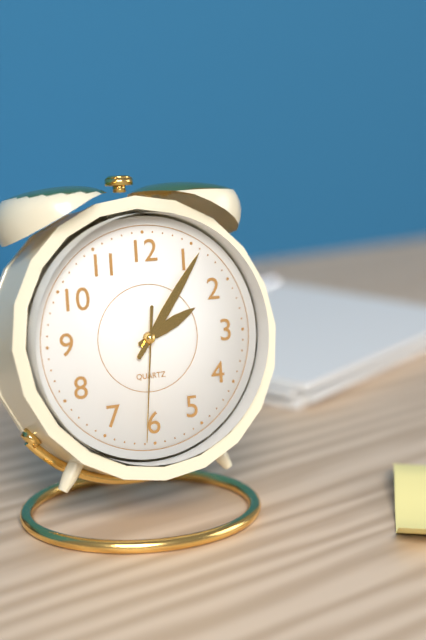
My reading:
2 h 06 min 31 s
